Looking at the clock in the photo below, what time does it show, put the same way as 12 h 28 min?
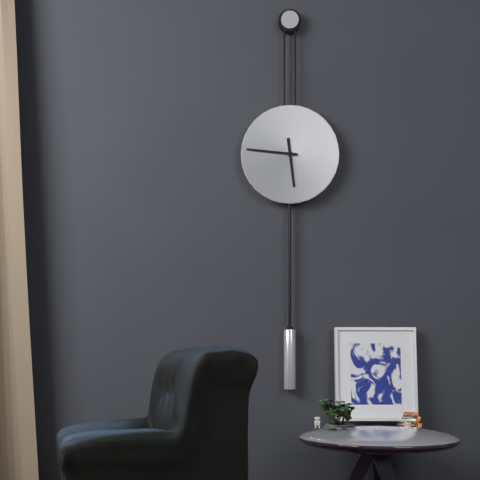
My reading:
5 h 46 min
